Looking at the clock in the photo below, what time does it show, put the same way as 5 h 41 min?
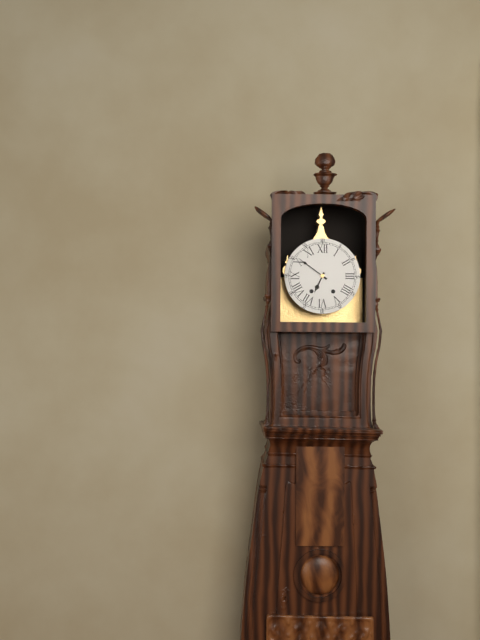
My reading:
6 h 51 min
